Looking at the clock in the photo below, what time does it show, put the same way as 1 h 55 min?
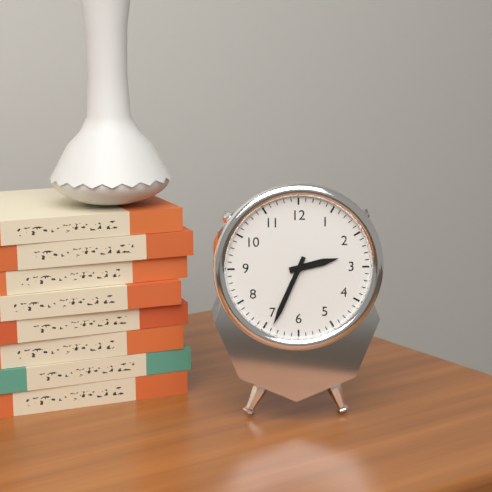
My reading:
2 h 34 min
